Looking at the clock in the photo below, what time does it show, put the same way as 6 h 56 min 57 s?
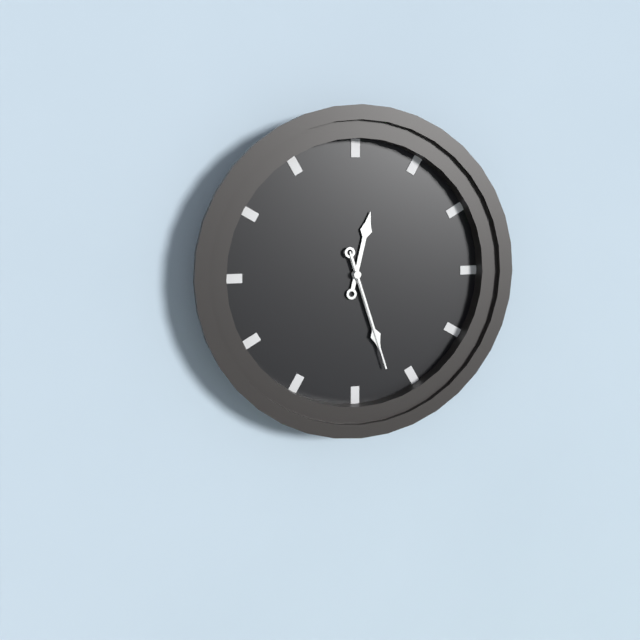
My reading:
12 h 27 min 27 s
